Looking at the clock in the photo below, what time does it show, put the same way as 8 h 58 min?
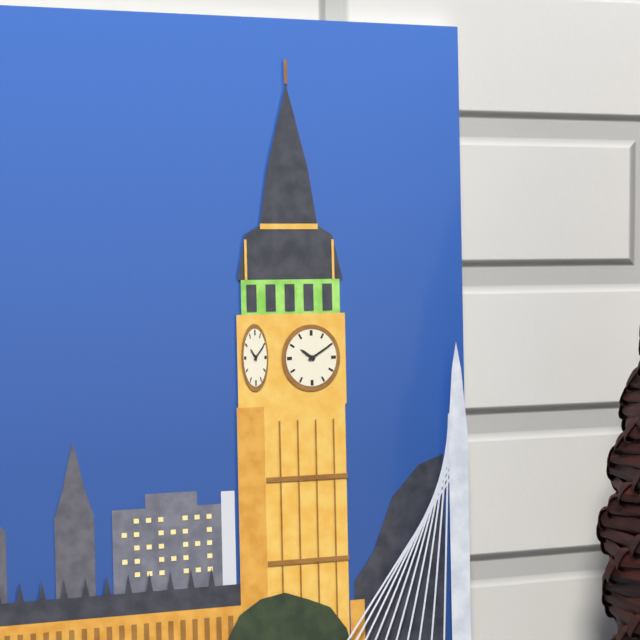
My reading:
10 h 10 min
